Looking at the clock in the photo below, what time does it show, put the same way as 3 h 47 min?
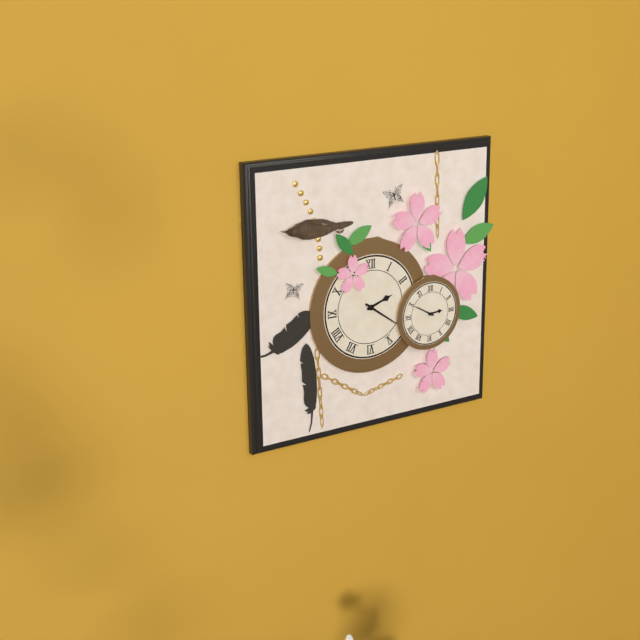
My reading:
2 h 21 min
